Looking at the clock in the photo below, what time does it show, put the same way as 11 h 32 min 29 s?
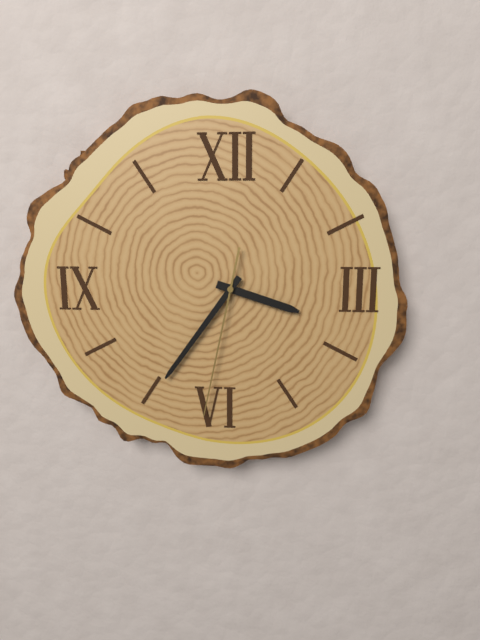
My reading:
3 h 36 min 32 s
